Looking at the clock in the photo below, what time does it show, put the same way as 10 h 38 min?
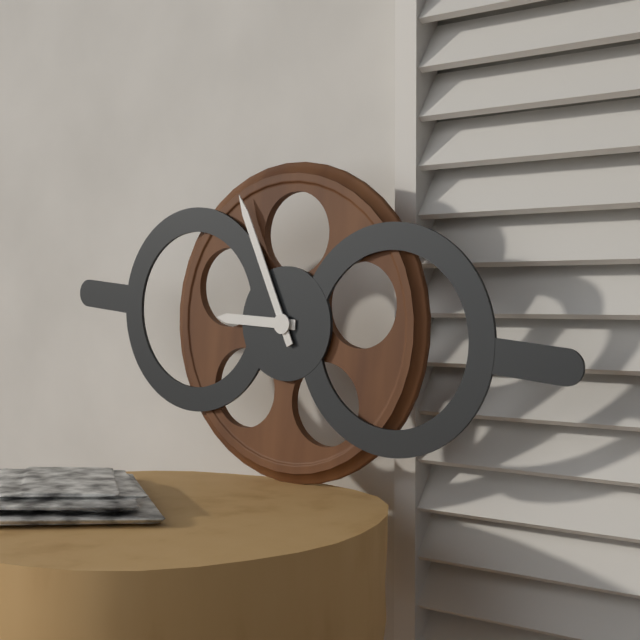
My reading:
8 h 55 min
